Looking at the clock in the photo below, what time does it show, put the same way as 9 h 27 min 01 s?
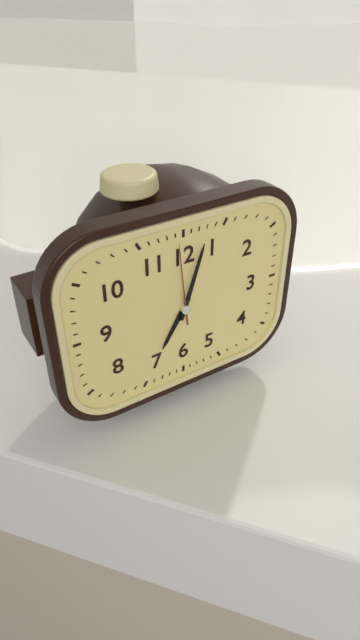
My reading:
7 h 03 min 59 s
